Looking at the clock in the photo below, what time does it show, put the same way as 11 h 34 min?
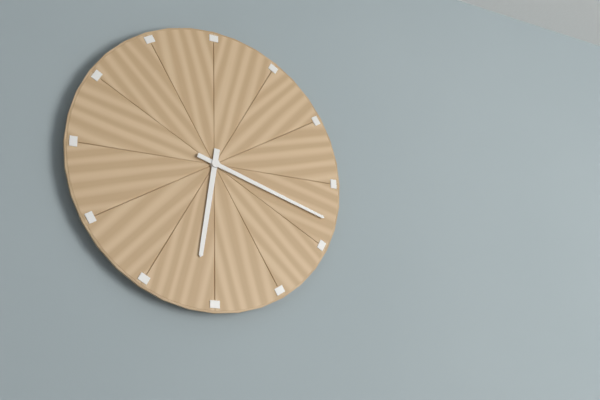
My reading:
6 h 18 min
